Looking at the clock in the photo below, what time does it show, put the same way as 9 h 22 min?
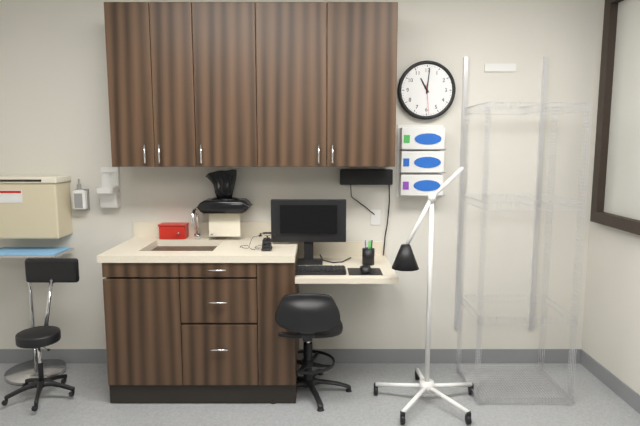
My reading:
11 h 01 min
